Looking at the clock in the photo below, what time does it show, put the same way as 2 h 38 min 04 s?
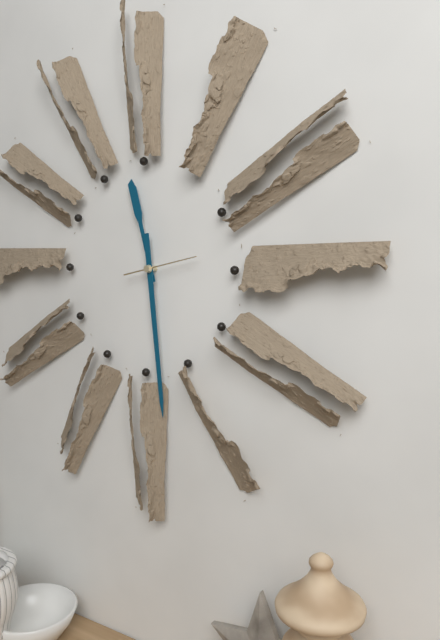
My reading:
11 h 29 min 13 s
